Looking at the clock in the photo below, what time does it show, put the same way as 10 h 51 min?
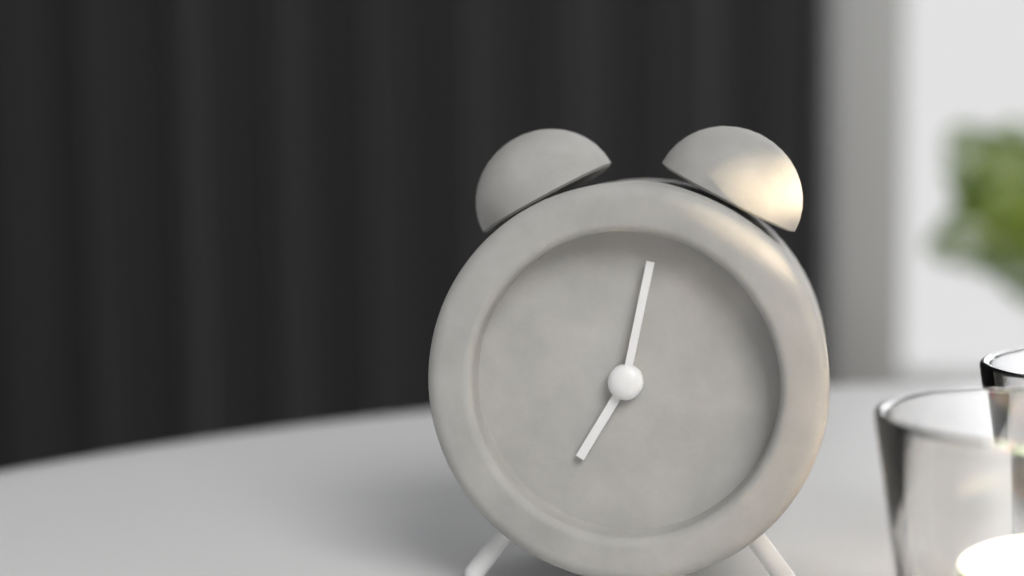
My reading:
7 h 02 min
